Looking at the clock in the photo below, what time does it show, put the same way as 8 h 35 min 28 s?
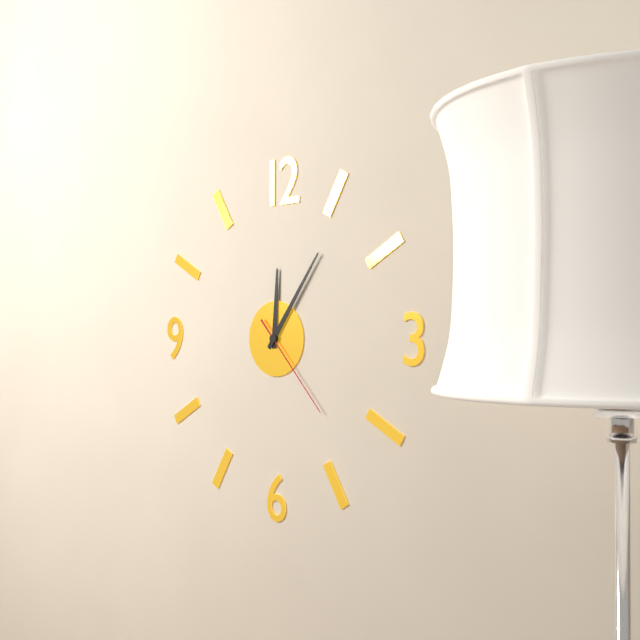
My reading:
12 h 06 min 23 s
